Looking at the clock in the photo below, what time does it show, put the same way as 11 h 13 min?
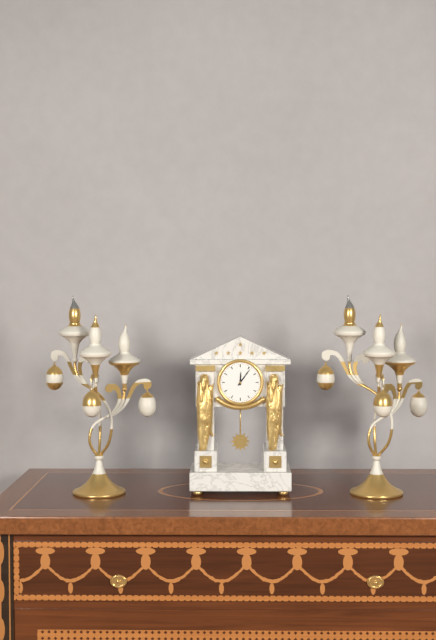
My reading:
12 h 06 min
